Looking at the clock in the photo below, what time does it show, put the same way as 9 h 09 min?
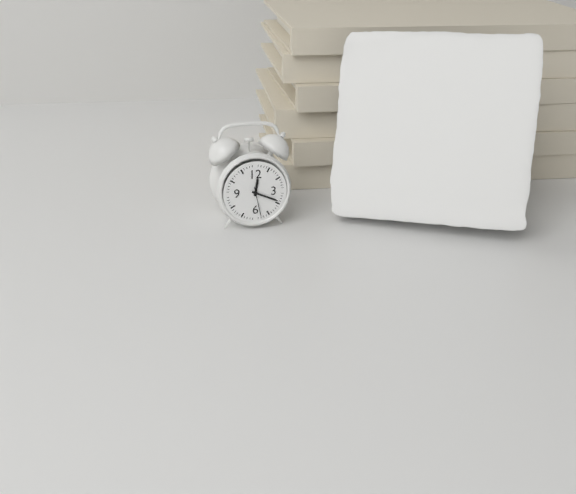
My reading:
12 h 19 min
